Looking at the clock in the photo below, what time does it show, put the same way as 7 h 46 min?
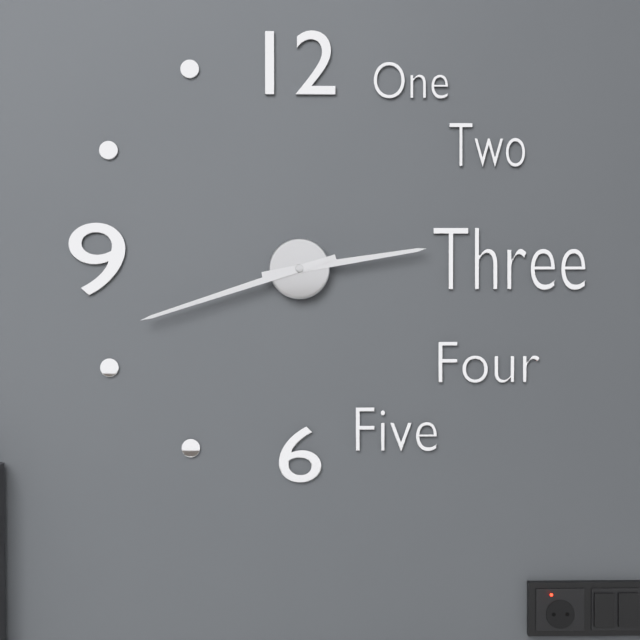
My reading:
2 h 42 min
